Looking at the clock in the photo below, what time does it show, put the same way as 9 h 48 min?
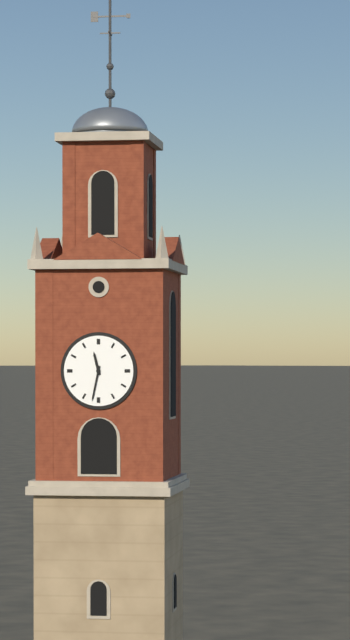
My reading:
11 h 32 min
